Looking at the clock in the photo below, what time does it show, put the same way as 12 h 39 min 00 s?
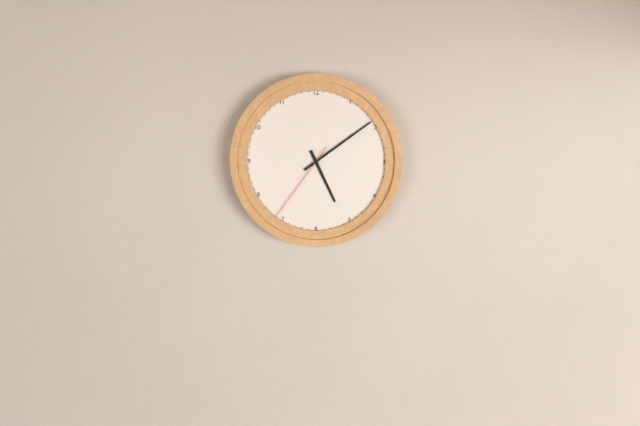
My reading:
5 h 09 min 36 s
